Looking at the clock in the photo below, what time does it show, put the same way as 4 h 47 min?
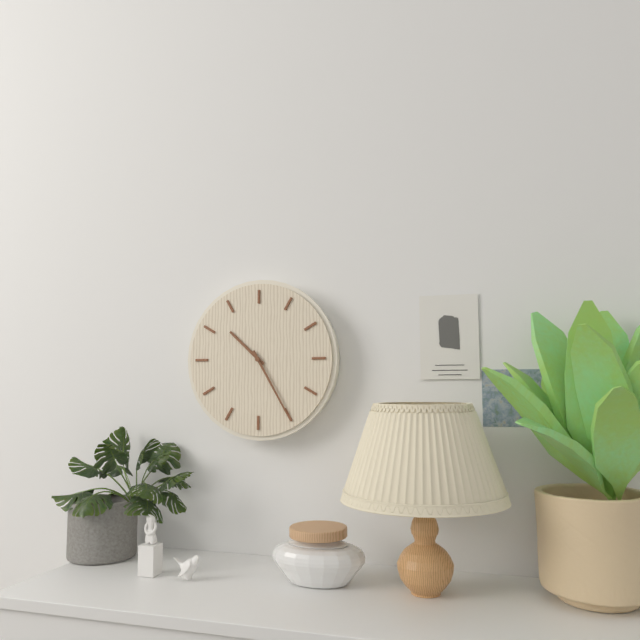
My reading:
10 h 25 min
